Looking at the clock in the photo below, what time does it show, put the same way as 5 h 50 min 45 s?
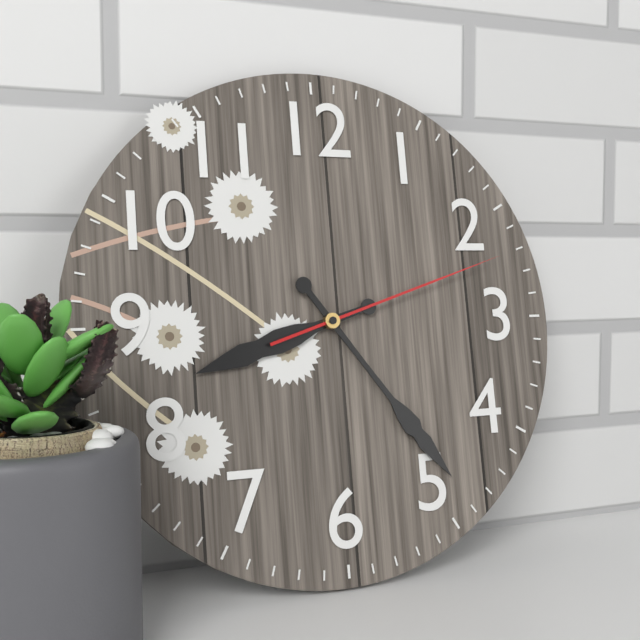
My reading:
8 h 24 min 12 s
